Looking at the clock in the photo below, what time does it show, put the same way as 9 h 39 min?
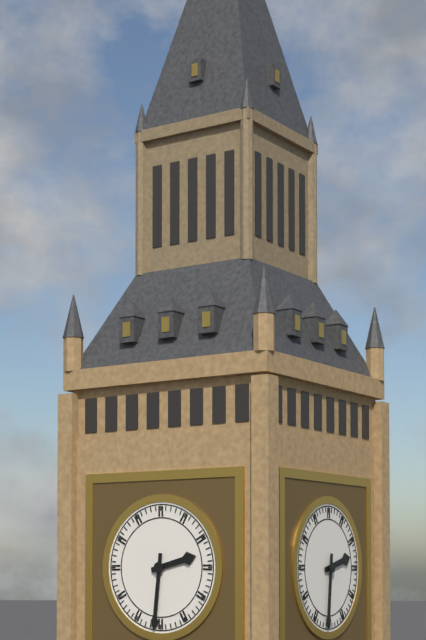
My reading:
2 h 31 min
